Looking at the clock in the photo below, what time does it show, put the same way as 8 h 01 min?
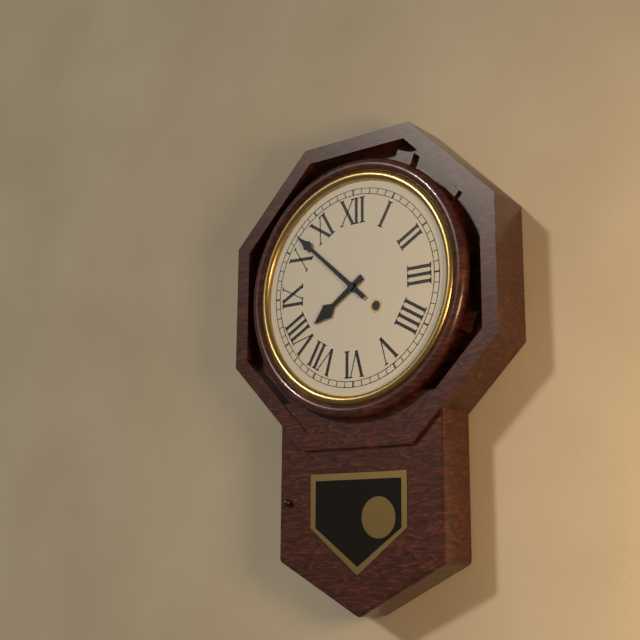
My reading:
7 h 52 min
